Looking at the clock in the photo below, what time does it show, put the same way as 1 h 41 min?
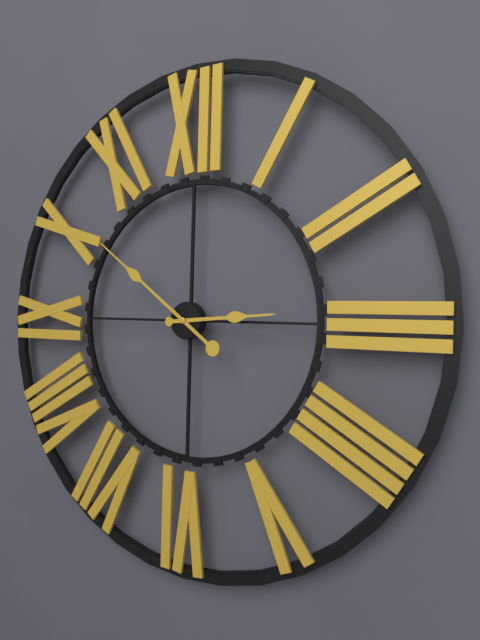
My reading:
2 h 51 min
